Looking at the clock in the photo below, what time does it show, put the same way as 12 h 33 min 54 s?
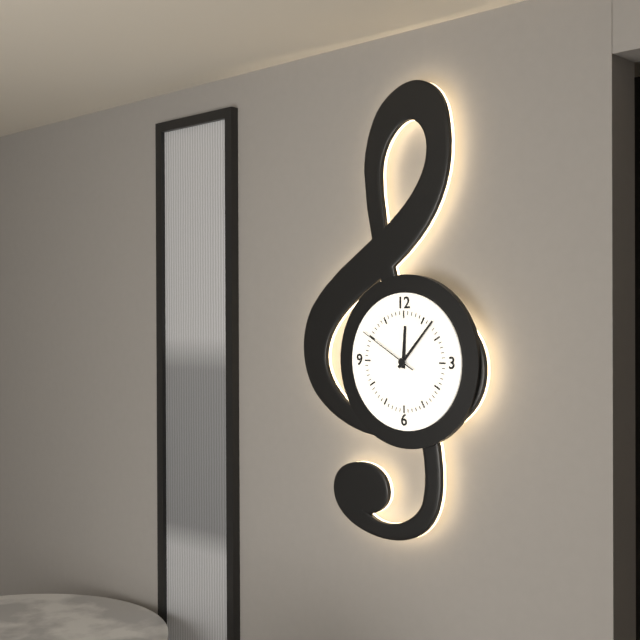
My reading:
12 h 07 min 50 s
